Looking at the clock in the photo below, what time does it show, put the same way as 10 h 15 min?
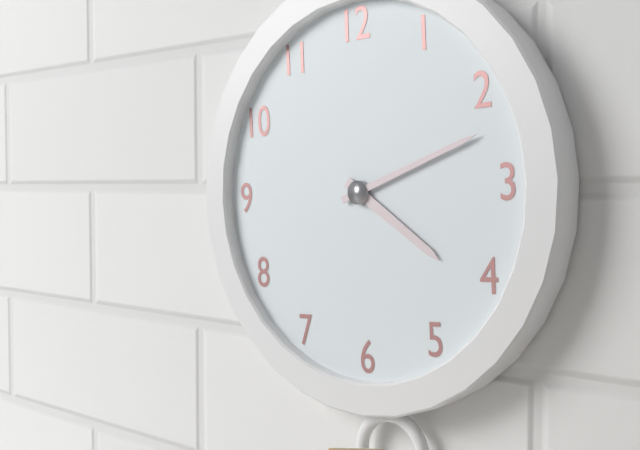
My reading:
4 h 12 min
